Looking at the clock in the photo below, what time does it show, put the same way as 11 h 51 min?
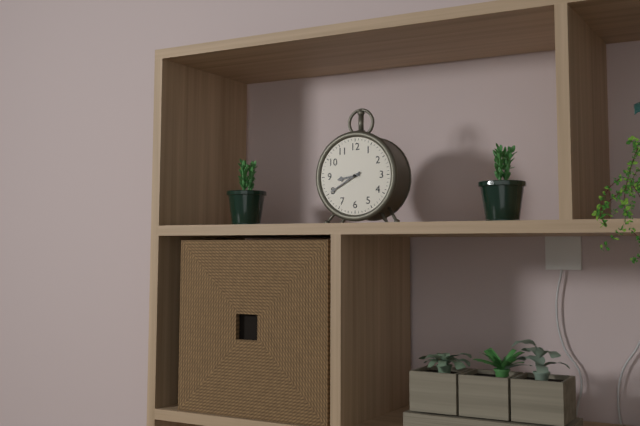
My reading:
8 h 40 min
